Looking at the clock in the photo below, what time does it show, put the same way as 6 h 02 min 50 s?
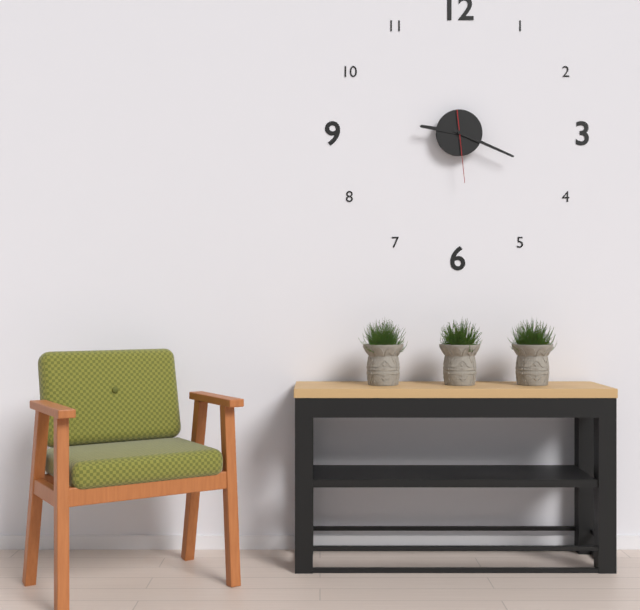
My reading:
9 h 19 min 29 s
